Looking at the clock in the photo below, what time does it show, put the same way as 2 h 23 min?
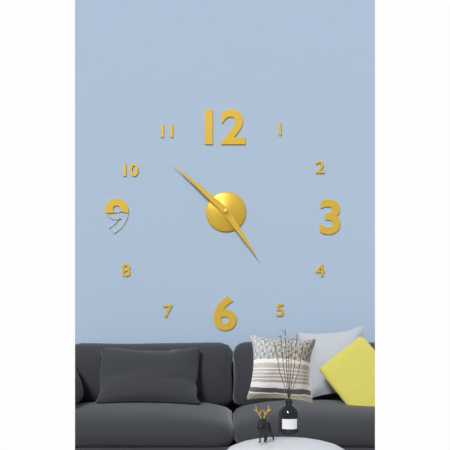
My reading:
4 h 52 min
